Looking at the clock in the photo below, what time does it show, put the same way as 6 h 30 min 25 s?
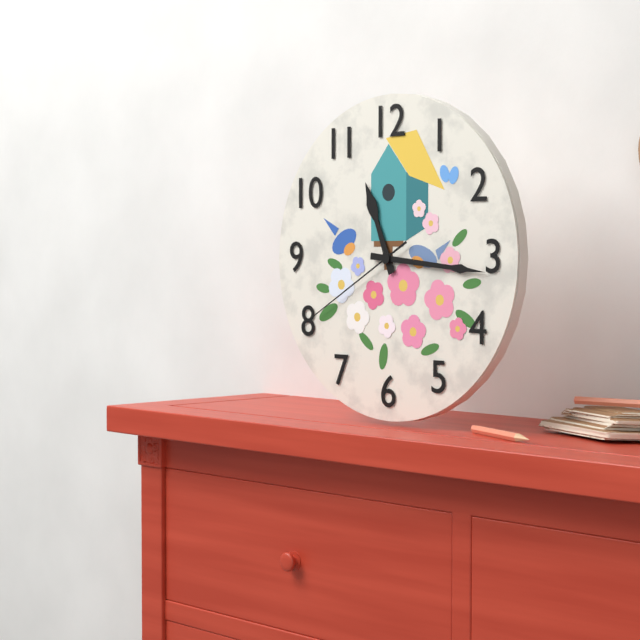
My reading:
11 h 16 min 40 s
